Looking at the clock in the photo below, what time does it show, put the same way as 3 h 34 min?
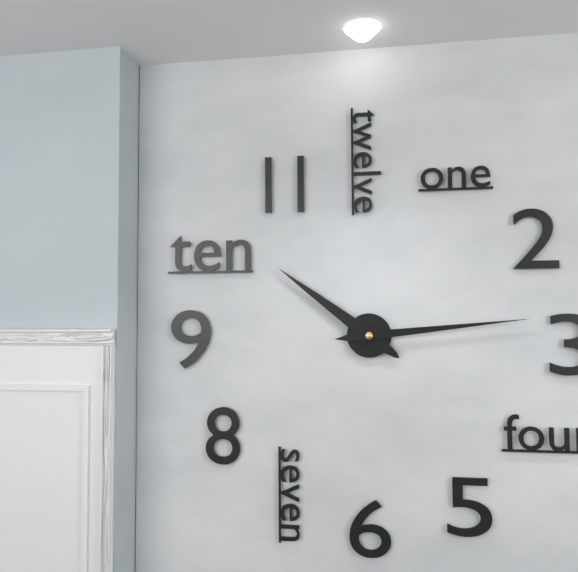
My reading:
10 h 14 min
